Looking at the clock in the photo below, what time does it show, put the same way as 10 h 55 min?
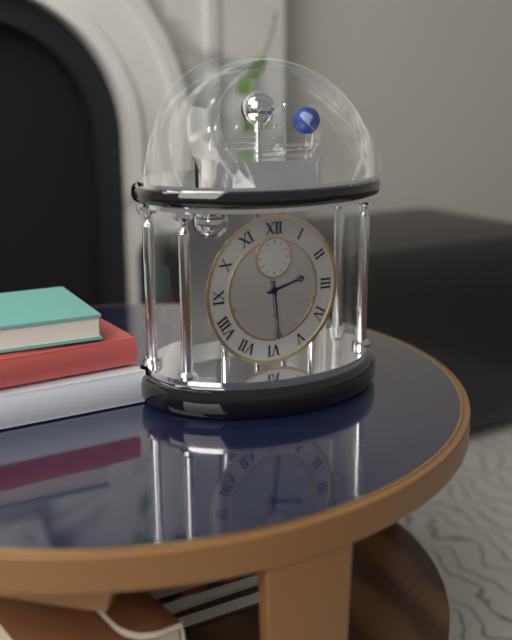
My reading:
2 h 29 min
